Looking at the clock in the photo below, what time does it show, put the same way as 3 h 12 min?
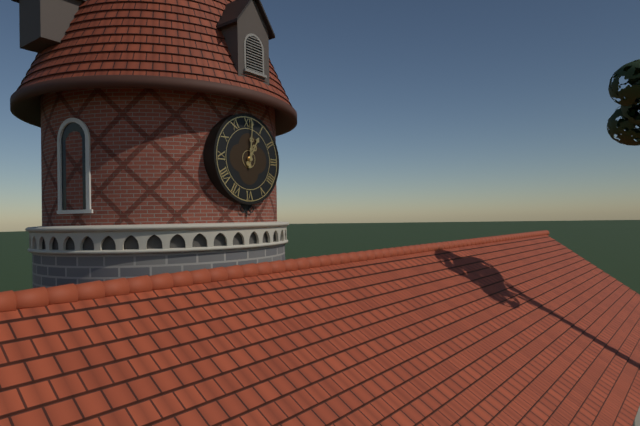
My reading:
1 h 01 min
